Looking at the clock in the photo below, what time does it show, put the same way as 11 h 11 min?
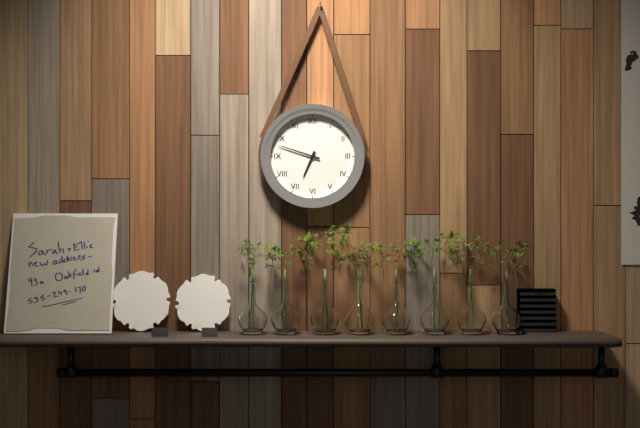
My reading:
6 h 48 min
